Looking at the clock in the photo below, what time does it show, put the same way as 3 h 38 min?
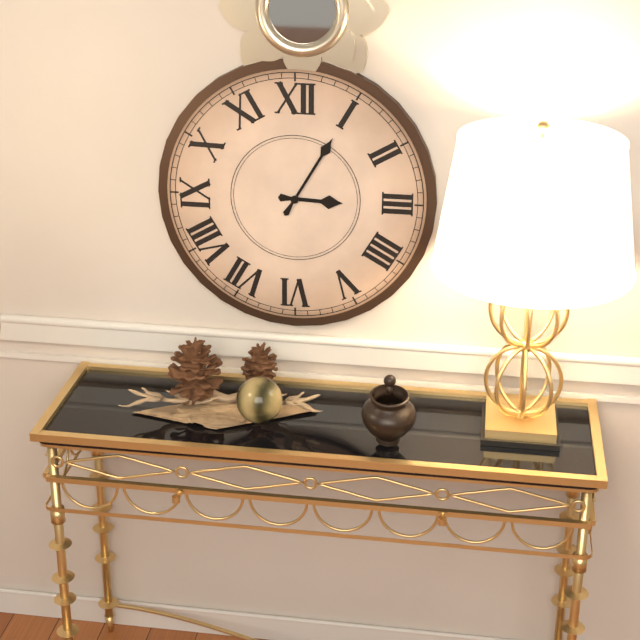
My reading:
3 h 05 min
